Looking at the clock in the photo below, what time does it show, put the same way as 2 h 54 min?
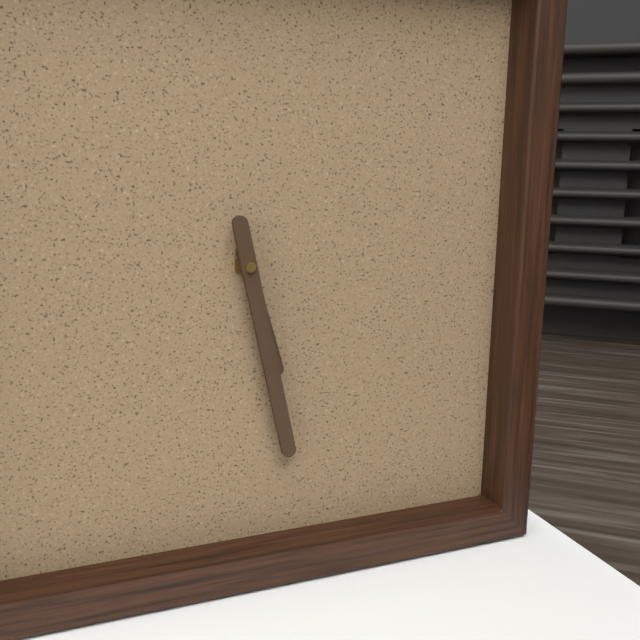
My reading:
5 h 28 min
